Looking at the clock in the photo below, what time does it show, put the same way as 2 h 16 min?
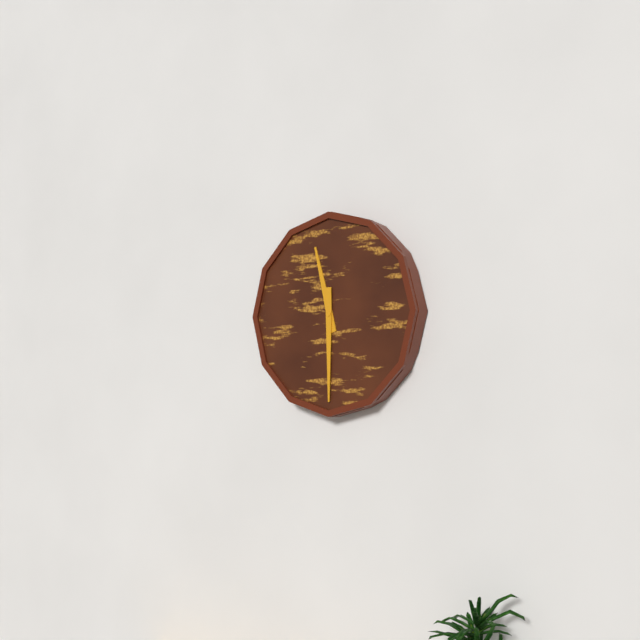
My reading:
11 h 30 min
